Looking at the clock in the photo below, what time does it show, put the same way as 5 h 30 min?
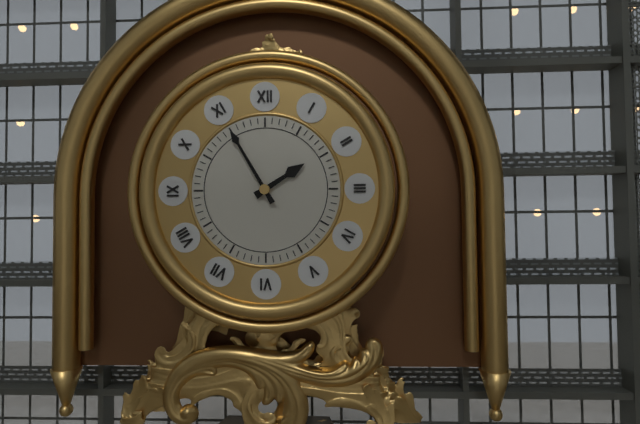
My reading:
1 h 55 min
